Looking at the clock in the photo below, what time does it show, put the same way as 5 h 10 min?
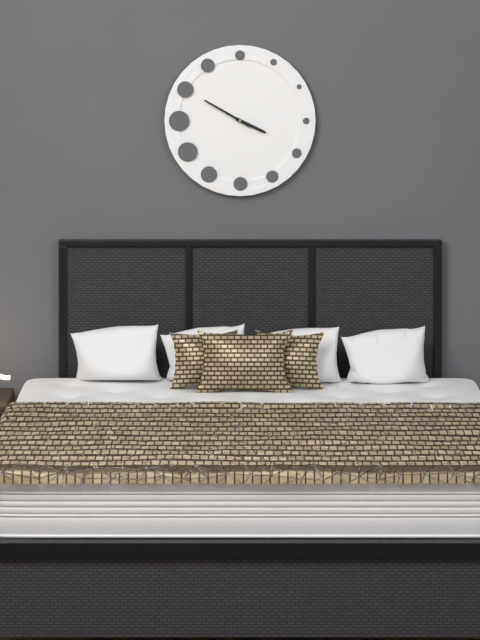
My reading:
3 h 50 min
